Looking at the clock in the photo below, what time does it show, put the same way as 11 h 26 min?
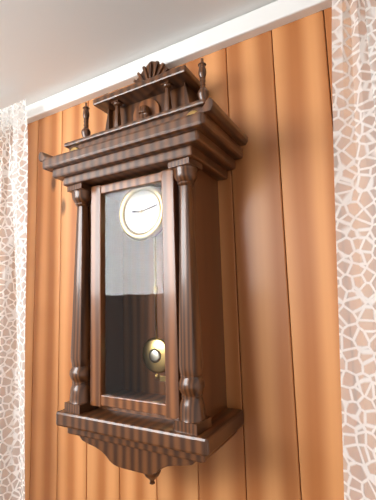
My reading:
9 h 13 min
